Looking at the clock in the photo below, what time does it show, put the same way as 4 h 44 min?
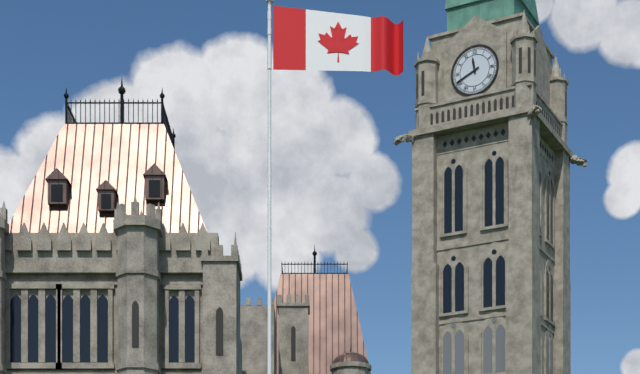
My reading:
11 h 41 min
